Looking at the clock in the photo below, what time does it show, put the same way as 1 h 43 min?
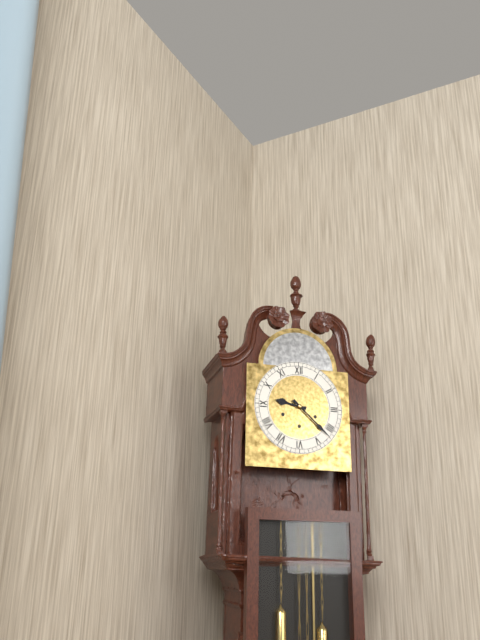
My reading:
9 h 22 min
